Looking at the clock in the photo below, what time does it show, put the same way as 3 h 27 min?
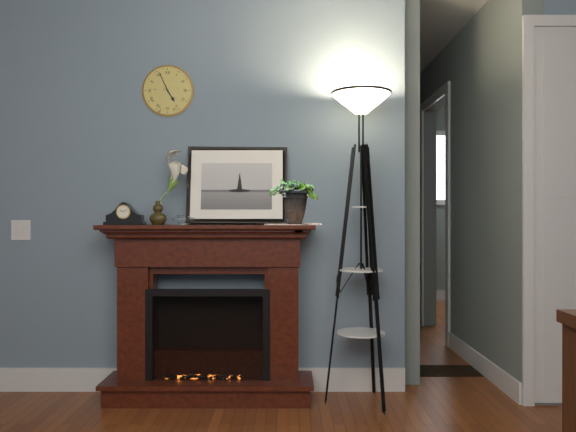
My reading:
4 h 56 min
